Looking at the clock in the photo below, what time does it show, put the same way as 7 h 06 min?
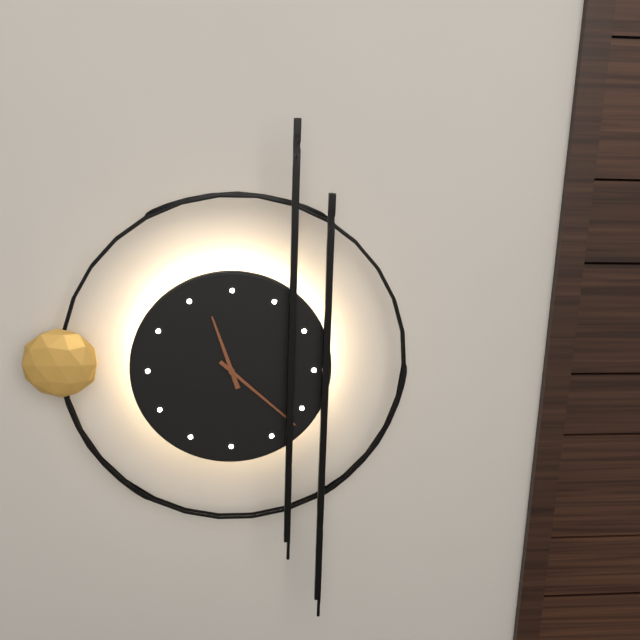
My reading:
11 h 22 min
